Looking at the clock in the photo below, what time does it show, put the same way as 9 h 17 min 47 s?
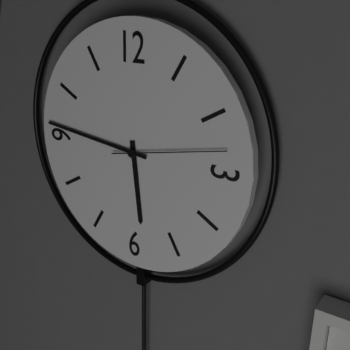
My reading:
5 h 46 min 13 s
